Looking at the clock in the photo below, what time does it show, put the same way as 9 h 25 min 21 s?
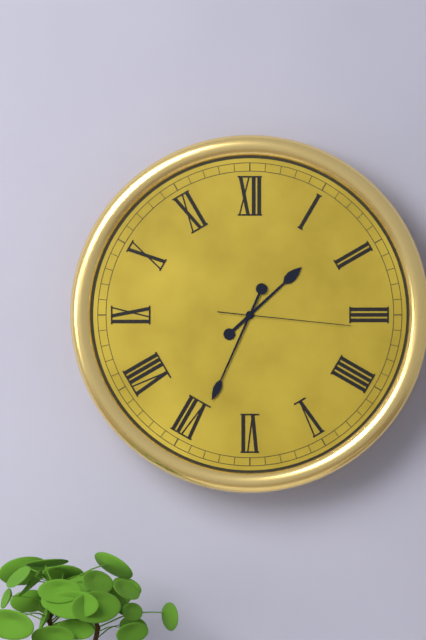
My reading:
1 h 34 min 16 s
